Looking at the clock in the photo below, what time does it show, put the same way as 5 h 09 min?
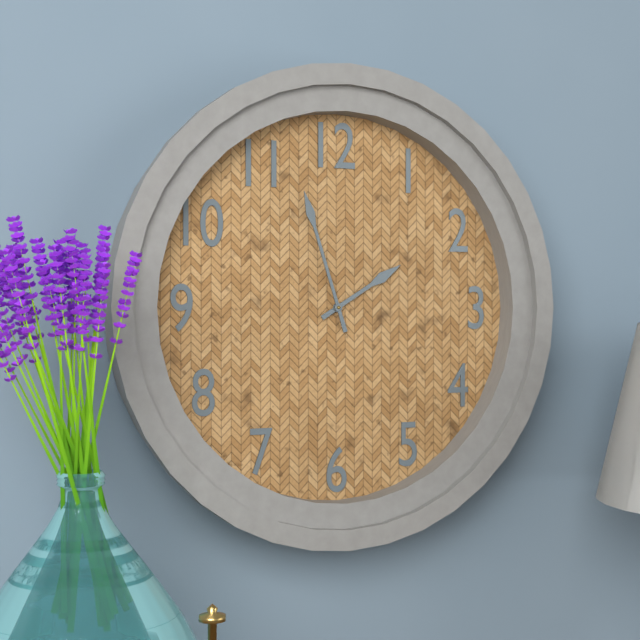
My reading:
1 h 57 min
